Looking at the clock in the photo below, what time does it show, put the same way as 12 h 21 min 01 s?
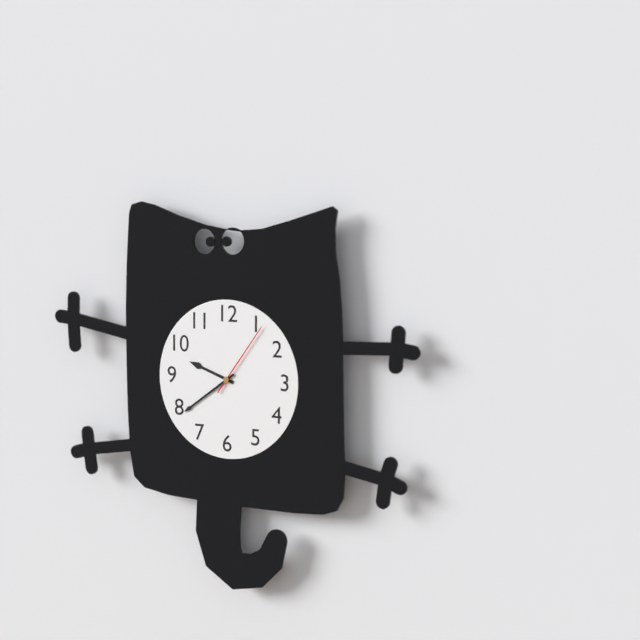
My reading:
9 h 39 min 06 s
